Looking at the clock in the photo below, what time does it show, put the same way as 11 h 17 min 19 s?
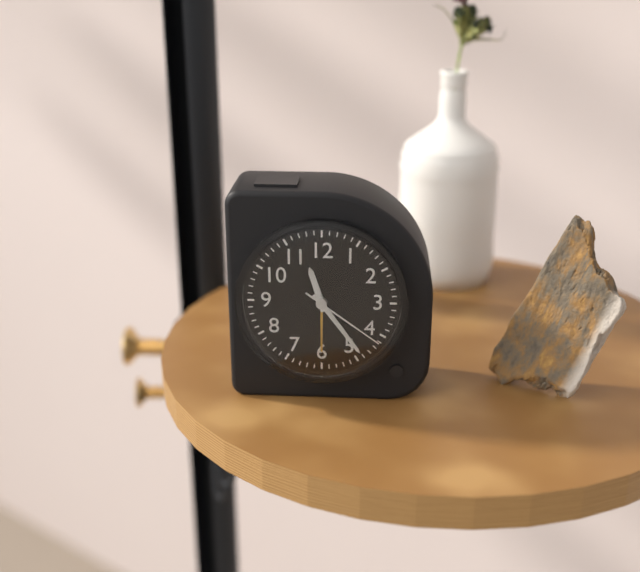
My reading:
11 h 24 min 21 s
